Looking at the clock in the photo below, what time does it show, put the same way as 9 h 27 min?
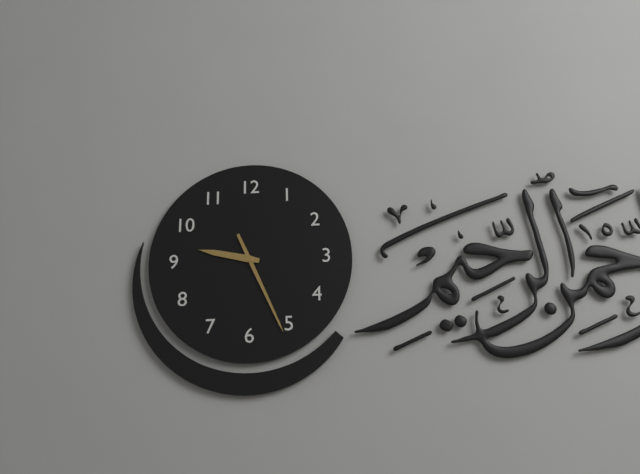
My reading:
9 h 26 min
